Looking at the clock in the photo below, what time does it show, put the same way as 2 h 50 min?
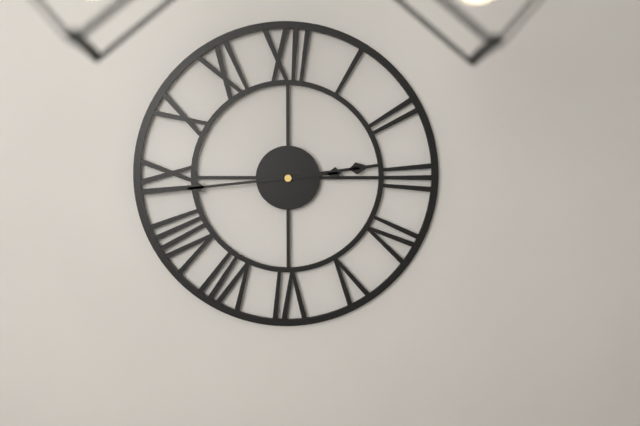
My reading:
2 h 44 min
